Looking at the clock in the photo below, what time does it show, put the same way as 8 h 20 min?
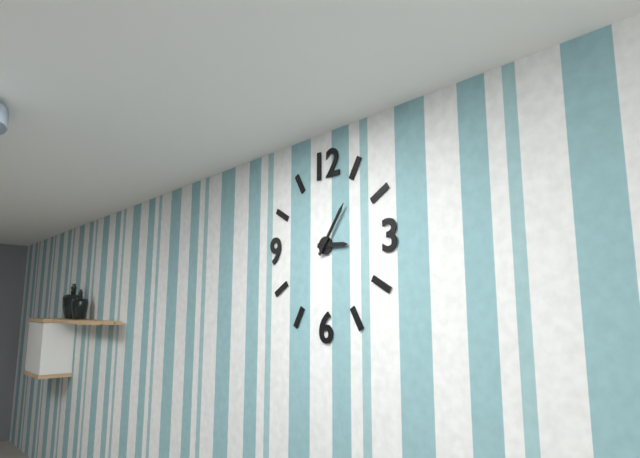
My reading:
3 h 06 min
